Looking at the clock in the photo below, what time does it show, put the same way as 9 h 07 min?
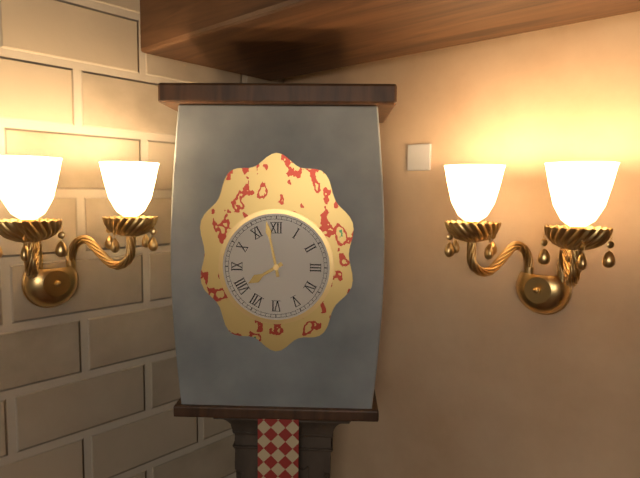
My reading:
7 h 58 min
